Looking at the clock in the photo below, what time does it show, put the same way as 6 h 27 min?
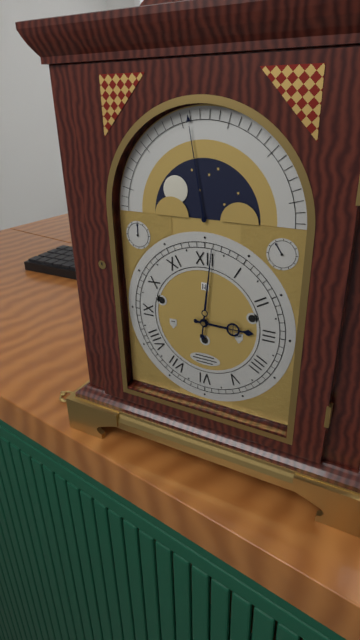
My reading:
3 h 01 min
